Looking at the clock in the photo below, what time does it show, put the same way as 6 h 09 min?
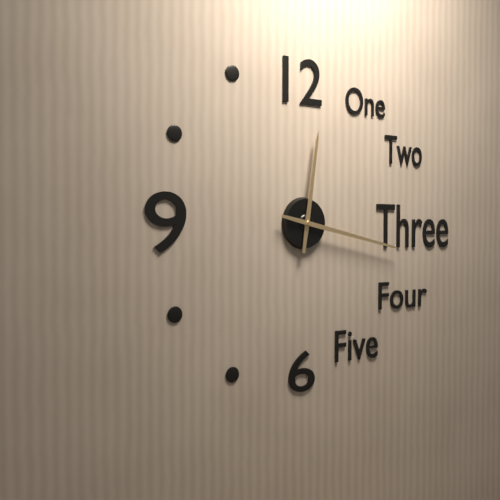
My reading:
12 h 17 min
